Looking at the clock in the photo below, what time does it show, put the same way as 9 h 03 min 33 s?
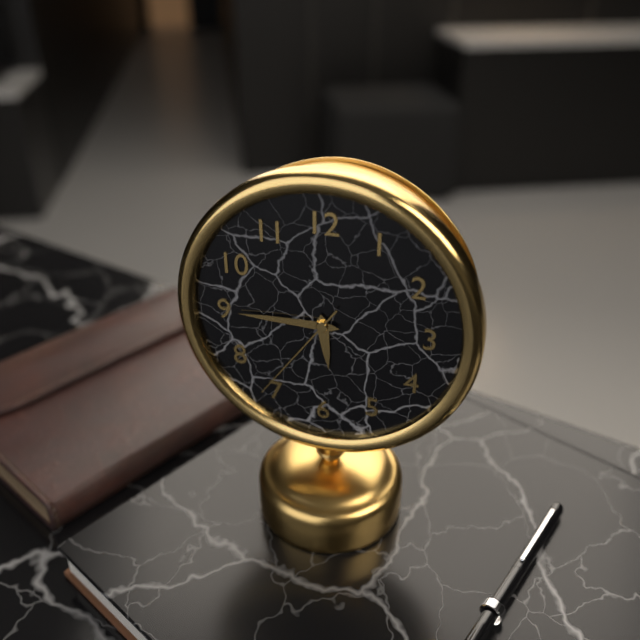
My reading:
5 h 45 min 36 s
